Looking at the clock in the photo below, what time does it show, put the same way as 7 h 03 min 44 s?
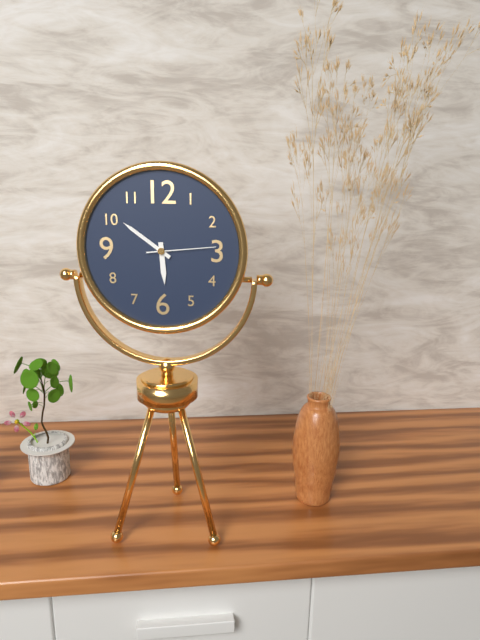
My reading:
5 h 51 min 14 s
